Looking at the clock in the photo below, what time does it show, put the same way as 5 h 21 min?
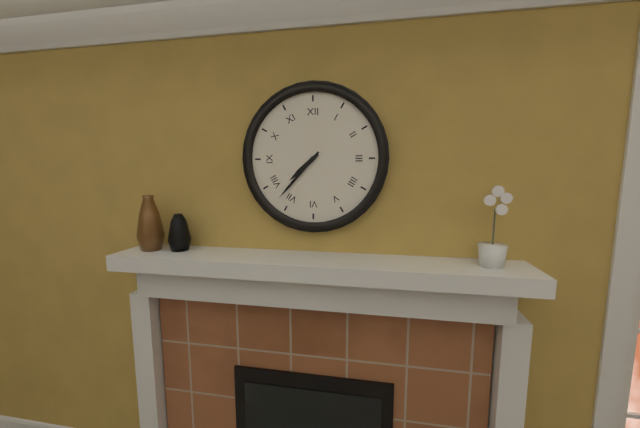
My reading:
7 h 37 min
